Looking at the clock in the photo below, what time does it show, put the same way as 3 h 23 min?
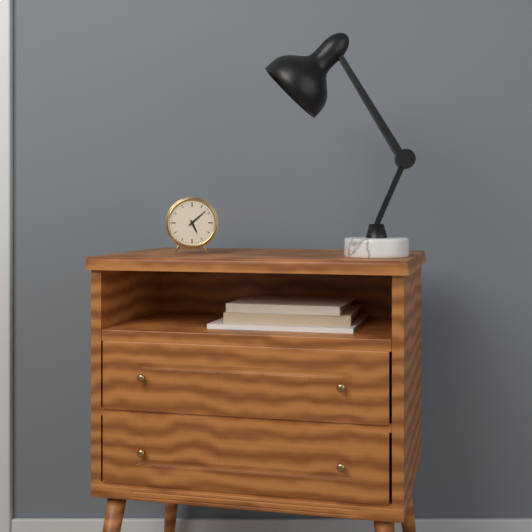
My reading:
5 h 08 min
